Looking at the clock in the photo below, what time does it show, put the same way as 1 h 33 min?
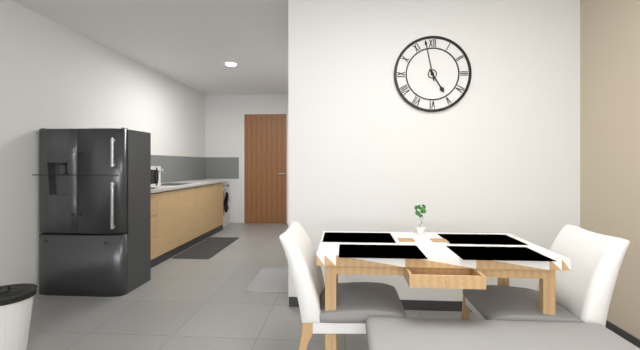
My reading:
4 h 58 min
